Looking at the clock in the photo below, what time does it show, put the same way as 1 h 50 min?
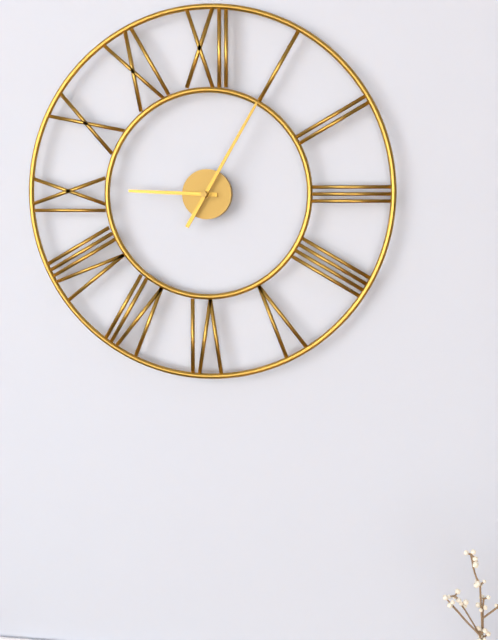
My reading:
9 h 05 min
